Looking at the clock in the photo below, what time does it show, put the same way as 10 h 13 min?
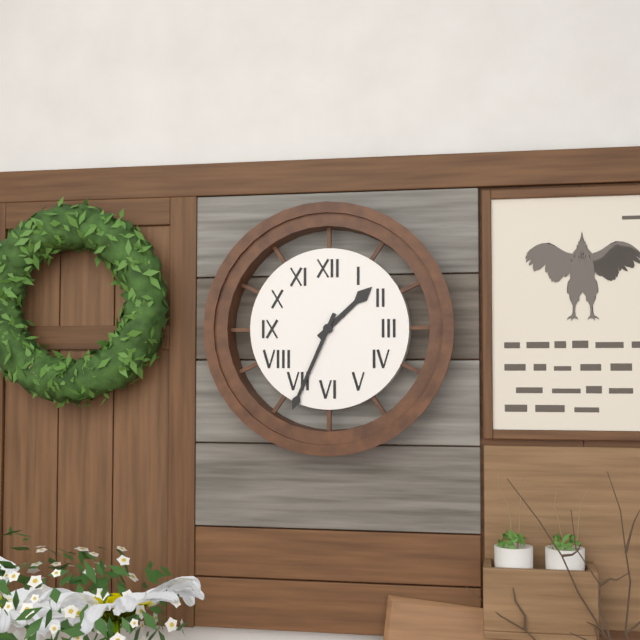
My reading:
1 h 34 min
